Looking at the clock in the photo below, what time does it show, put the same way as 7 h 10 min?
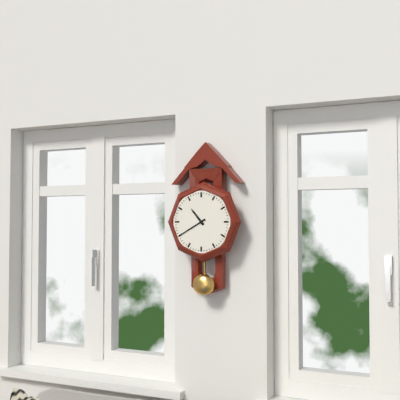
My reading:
10 h 40 min
